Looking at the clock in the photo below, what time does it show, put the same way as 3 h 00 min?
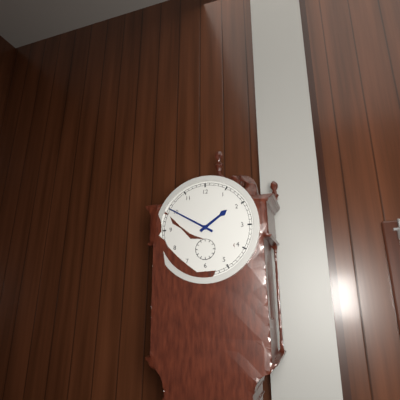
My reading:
1 h 50 min
